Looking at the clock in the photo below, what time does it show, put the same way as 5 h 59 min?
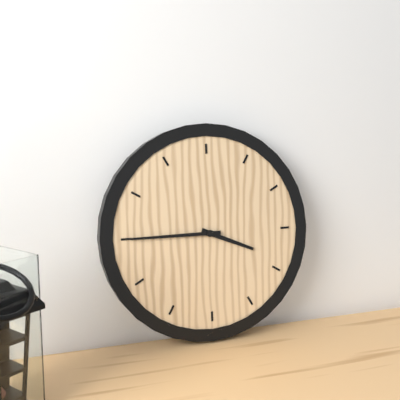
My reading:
3 h 45 min
